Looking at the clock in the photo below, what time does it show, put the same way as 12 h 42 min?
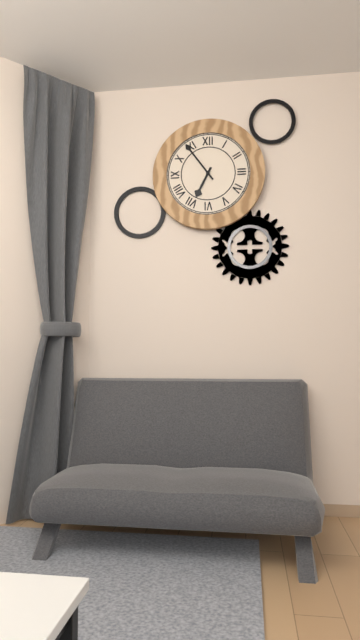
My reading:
6 h 54 min
